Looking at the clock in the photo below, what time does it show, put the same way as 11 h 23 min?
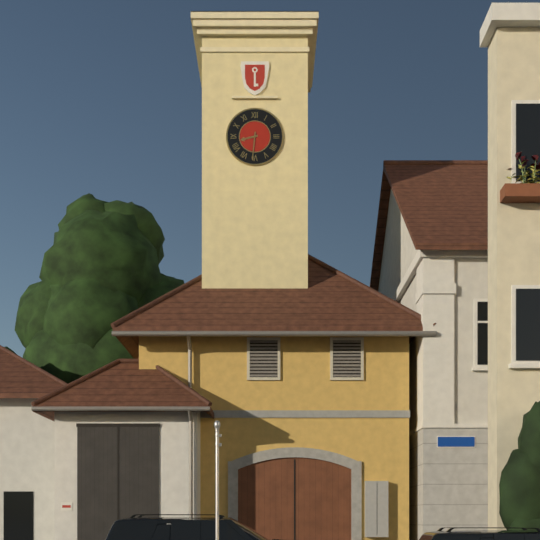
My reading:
8 h 31 min
